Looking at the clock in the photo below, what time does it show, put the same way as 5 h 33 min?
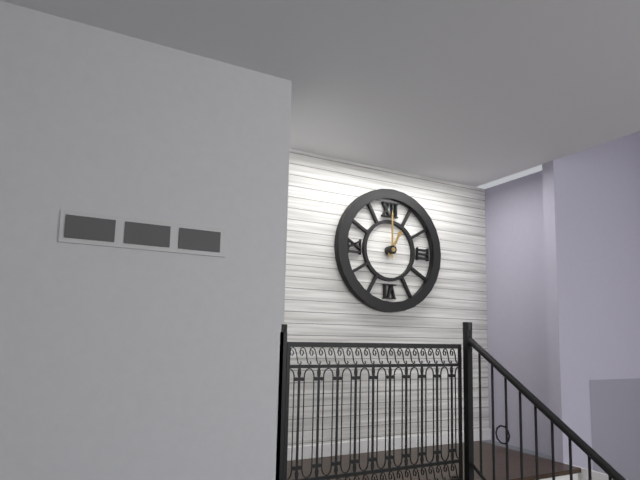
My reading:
1 h 00 min
